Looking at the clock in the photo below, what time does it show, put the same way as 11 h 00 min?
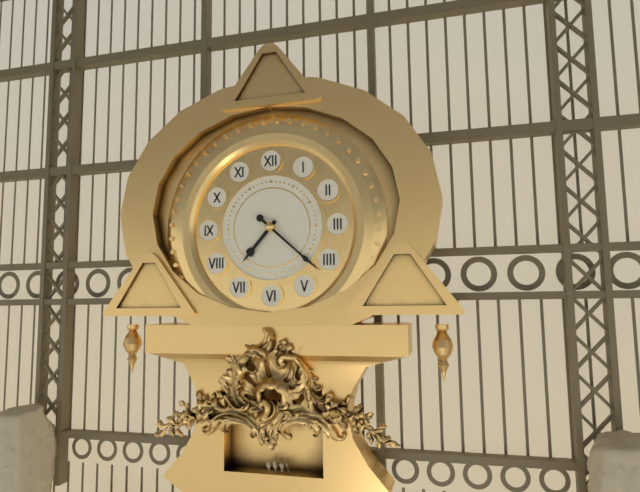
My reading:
7 h 22 min
